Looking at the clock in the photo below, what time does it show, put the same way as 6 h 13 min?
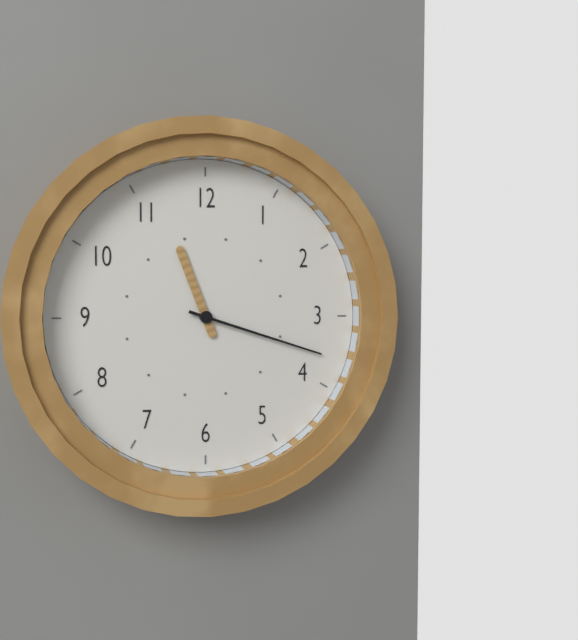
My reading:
11 h 18 min
